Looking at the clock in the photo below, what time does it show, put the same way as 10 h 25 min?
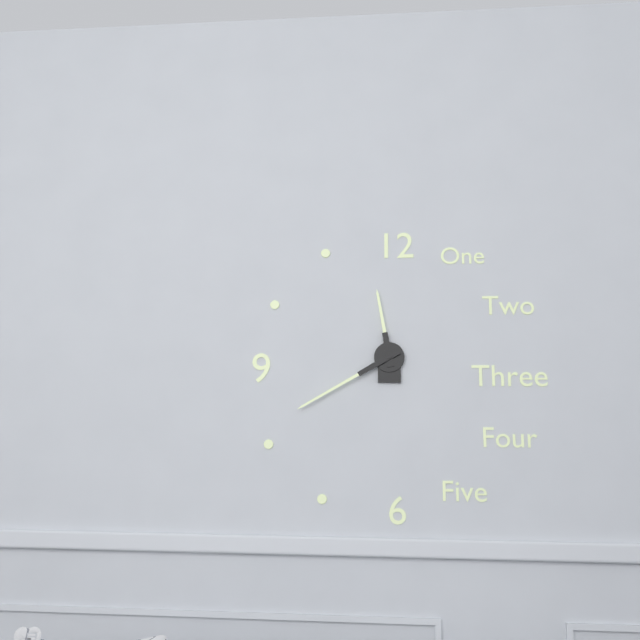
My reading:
11 h 40 min
